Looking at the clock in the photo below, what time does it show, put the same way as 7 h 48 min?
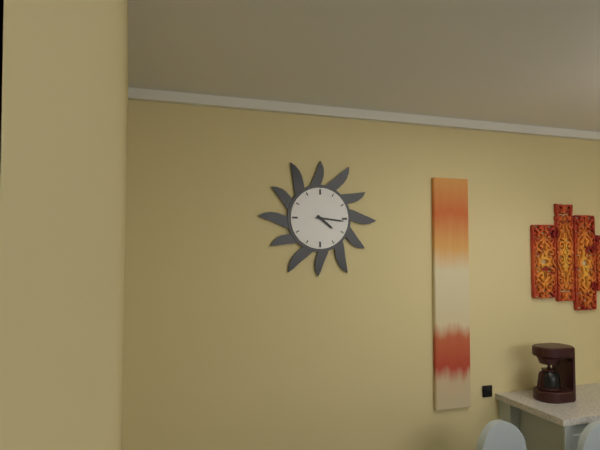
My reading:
4 h 16 min
